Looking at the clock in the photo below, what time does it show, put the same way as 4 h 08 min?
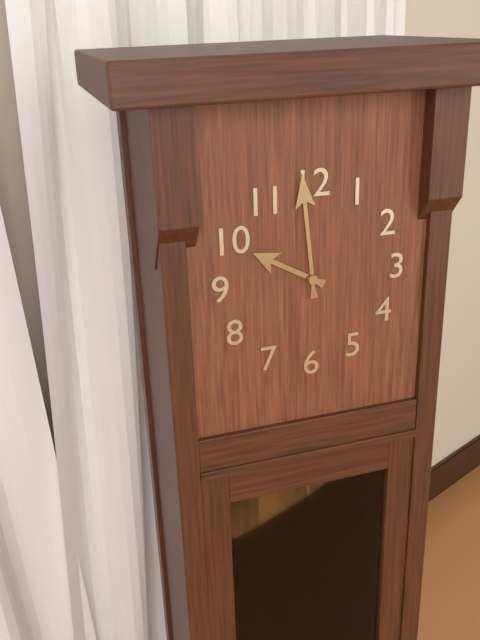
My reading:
9 h 59 min
